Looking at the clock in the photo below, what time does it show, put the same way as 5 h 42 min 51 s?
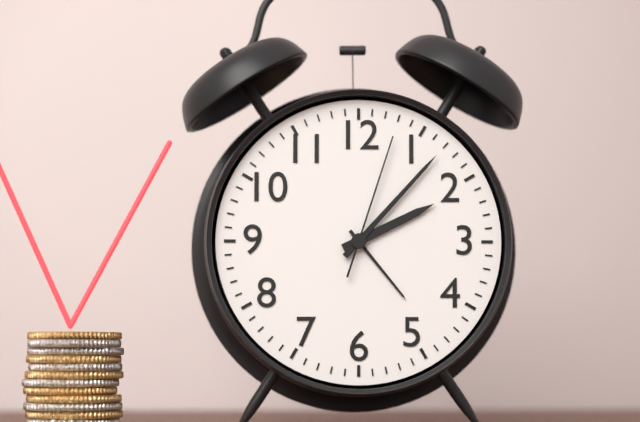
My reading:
2 h 07 min 03 s
